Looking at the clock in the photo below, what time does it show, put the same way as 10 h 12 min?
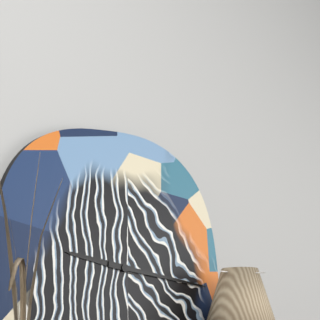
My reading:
9 h 16 min
